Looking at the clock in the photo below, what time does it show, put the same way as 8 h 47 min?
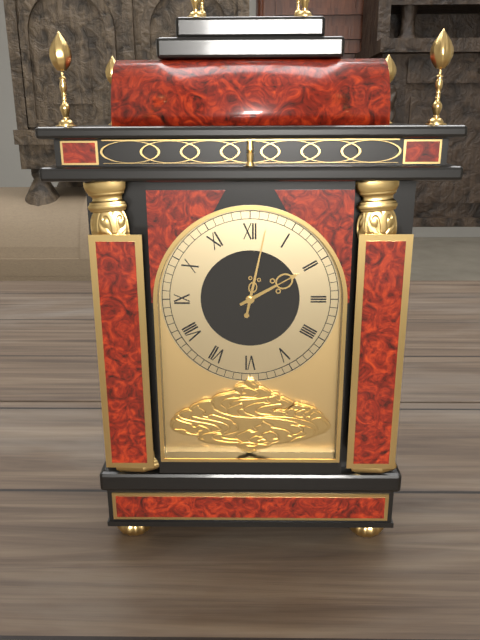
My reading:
2 h 02 min
